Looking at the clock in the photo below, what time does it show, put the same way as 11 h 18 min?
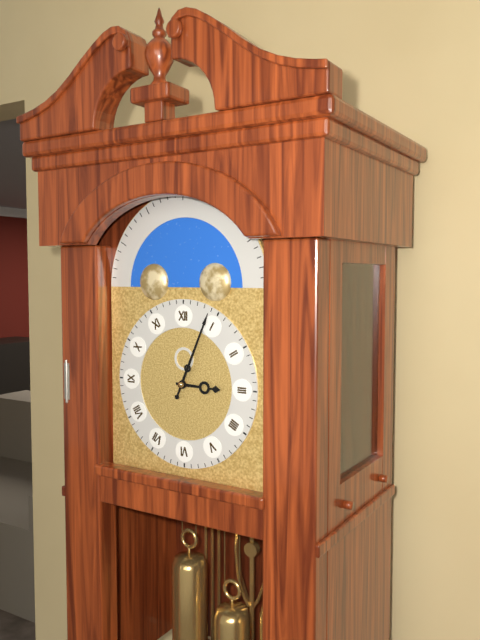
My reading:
3 h 04 min
